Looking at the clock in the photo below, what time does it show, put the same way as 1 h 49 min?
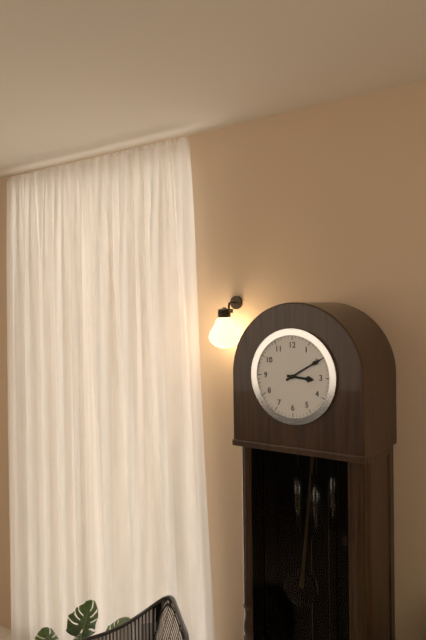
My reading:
3 h 10 min
